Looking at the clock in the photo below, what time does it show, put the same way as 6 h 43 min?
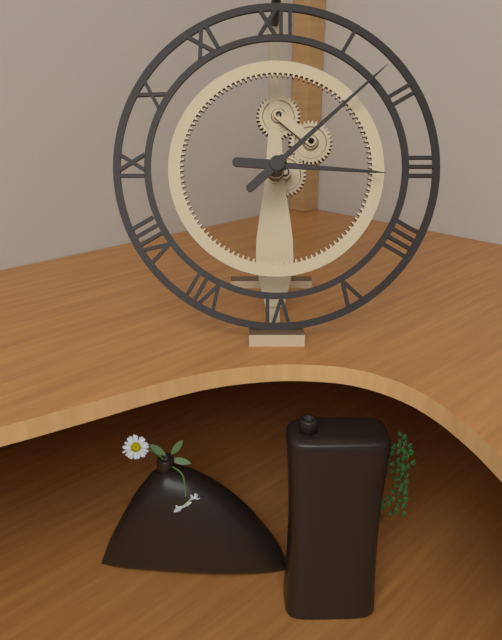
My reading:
3 h 08 min
